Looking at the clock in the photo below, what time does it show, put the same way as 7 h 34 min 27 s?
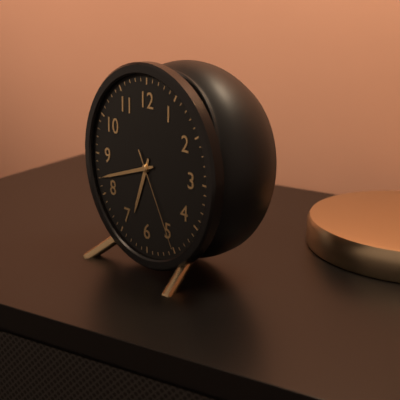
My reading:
6 h 42 min 25 s
